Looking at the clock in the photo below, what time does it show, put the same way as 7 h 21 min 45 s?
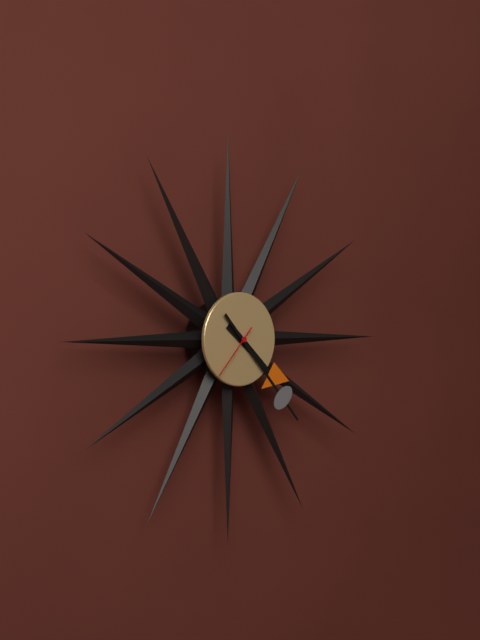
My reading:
4 h 23 min 37 s
